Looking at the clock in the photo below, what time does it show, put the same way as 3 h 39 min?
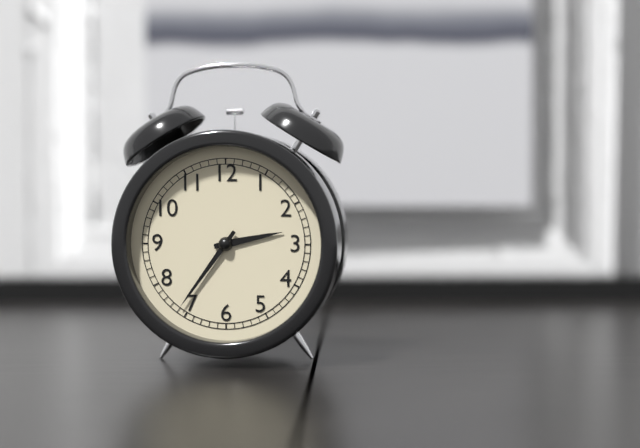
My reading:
2 h 36 min
